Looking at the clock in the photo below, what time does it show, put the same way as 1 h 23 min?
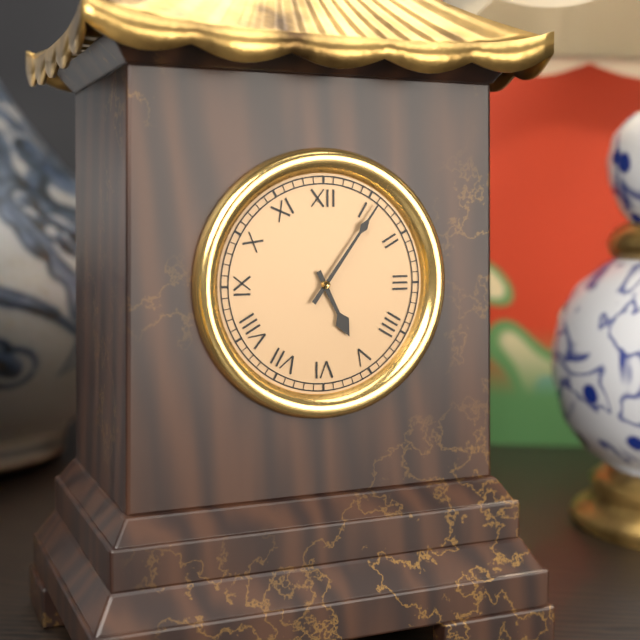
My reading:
5 h 06 min
